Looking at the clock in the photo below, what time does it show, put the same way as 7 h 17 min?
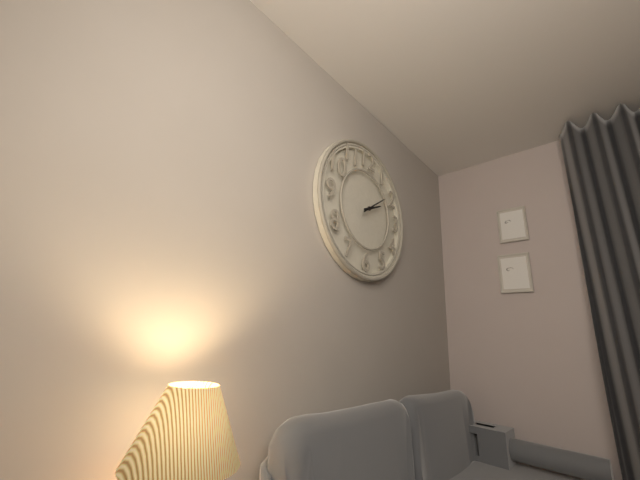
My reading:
2 h 09 min
